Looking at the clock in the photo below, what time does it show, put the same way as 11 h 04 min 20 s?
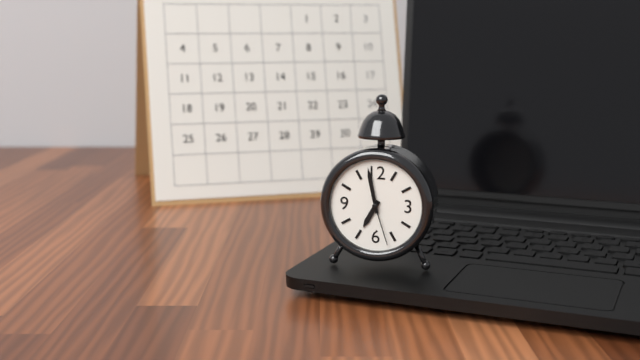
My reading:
6 h 58 min 27 s
